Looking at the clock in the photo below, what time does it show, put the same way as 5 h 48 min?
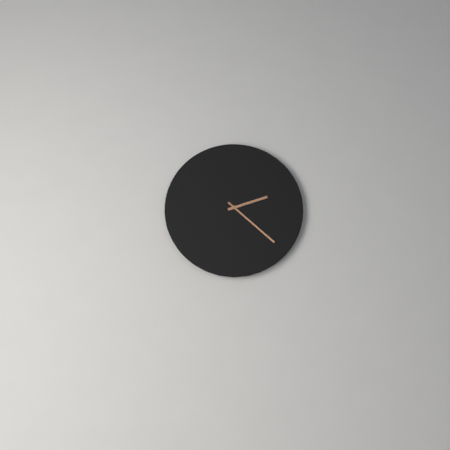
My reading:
2 h 22 min
